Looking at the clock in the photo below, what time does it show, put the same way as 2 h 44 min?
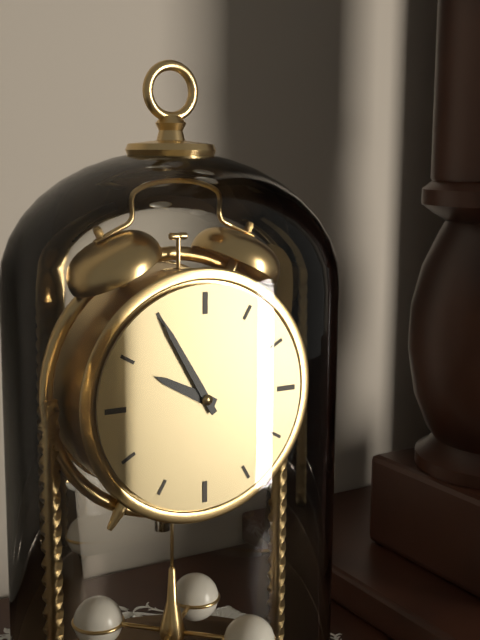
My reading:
9 h 55 min
